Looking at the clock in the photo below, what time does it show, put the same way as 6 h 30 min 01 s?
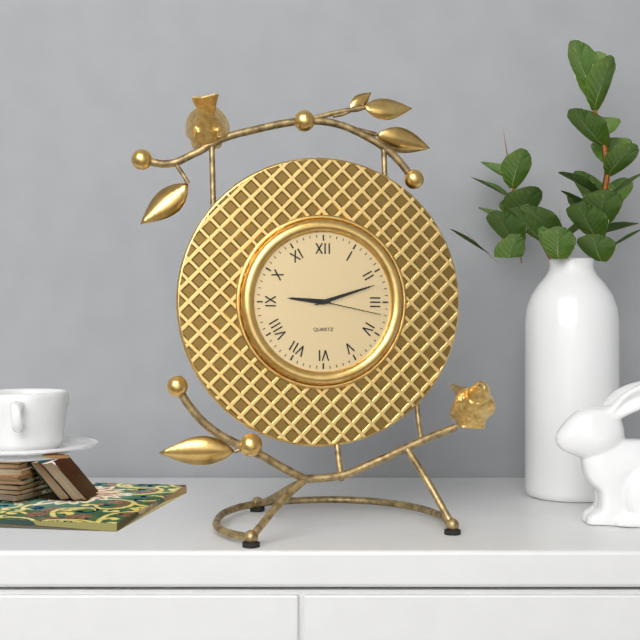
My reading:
9 h 12 min 17 s
